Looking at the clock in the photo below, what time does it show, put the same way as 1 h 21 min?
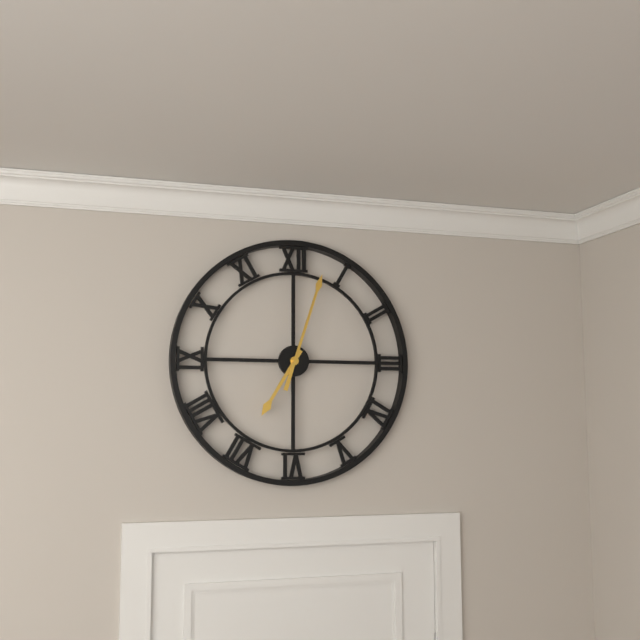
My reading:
7 h 03 min
